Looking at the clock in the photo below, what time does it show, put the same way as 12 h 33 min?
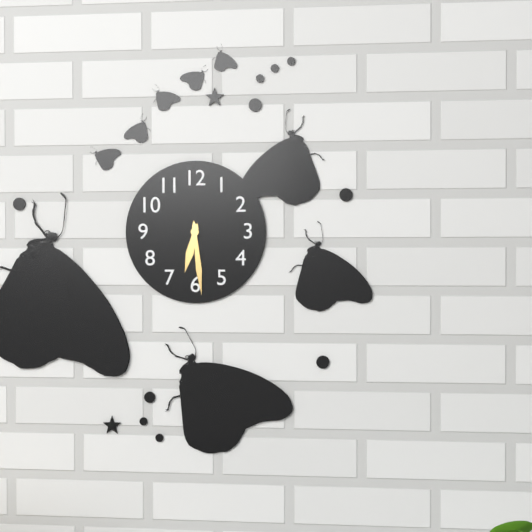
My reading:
6 h 29 min
